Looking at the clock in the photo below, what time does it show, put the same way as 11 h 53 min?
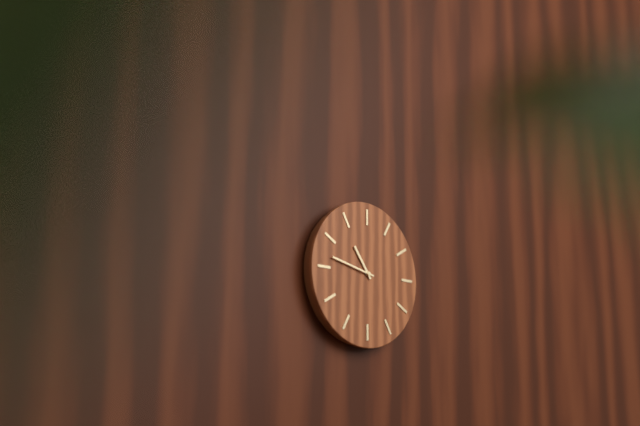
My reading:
10 h 47 min
